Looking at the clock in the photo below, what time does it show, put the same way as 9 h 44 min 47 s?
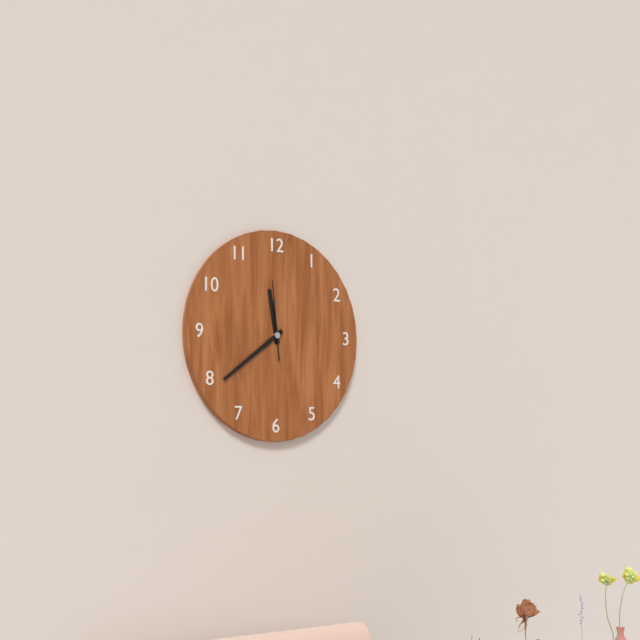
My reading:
11 h 39 min 59 s
